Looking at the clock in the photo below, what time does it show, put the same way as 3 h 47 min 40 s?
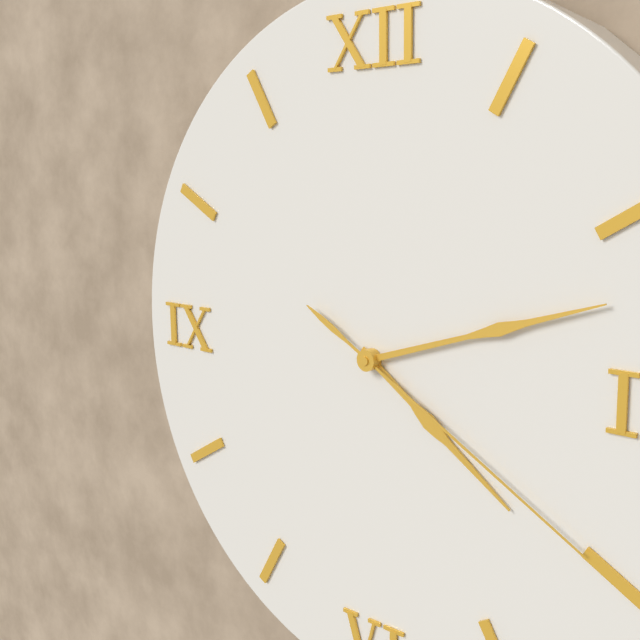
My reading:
4 h 12 min 20 s
